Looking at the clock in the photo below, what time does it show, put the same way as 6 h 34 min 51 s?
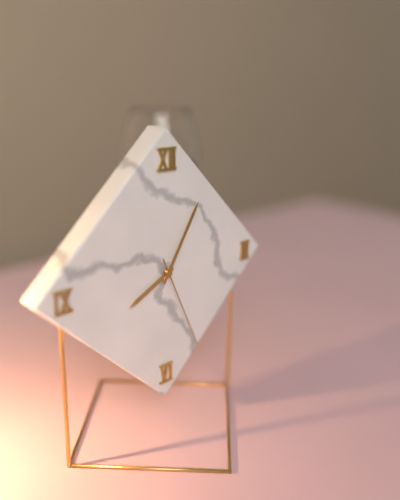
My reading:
8 h 05 min 26 s
